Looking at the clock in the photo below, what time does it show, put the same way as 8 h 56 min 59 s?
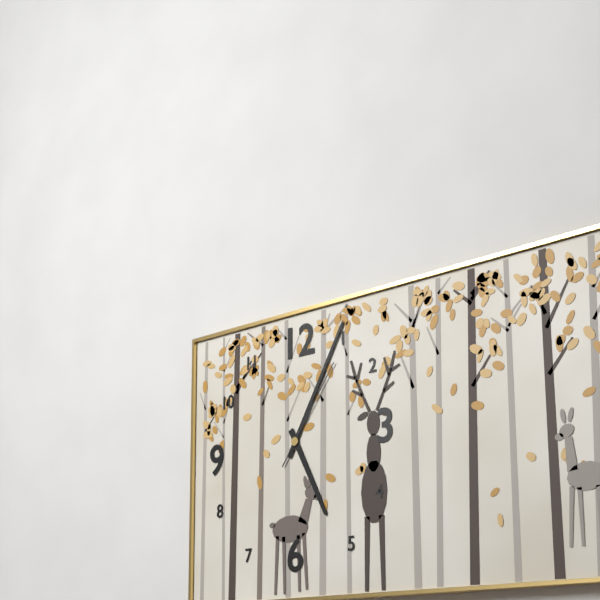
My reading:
5 h 05 min 06 s
